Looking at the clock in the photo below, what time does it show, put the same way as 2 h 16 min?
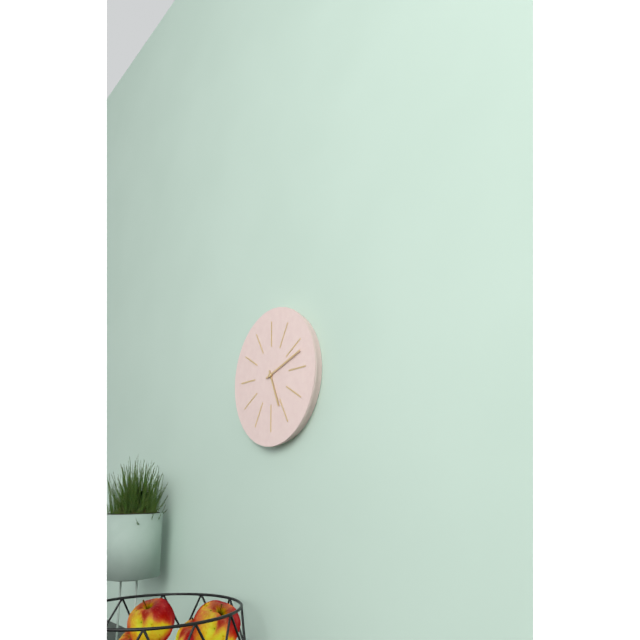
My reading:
5 h 12 min
